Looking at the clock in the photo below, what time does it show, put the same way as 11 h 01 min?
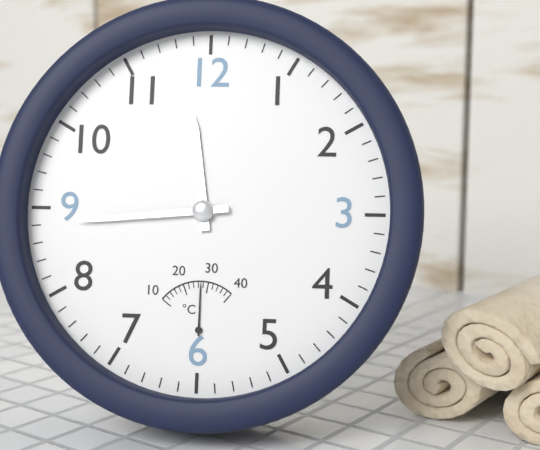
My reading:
11 h 44 min
